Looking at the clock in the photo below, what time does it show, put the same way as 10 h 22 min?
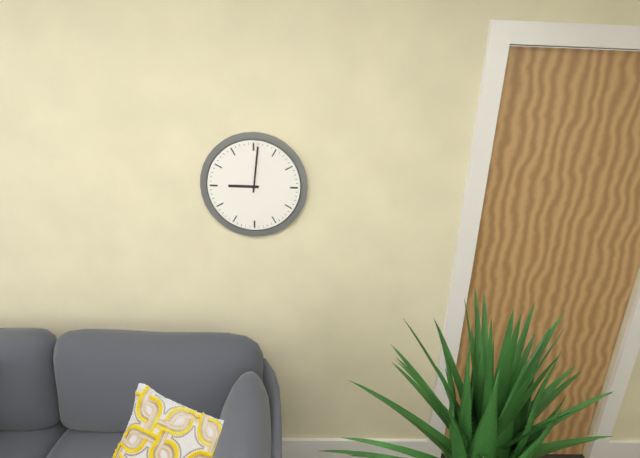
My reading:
9 h 01 min
